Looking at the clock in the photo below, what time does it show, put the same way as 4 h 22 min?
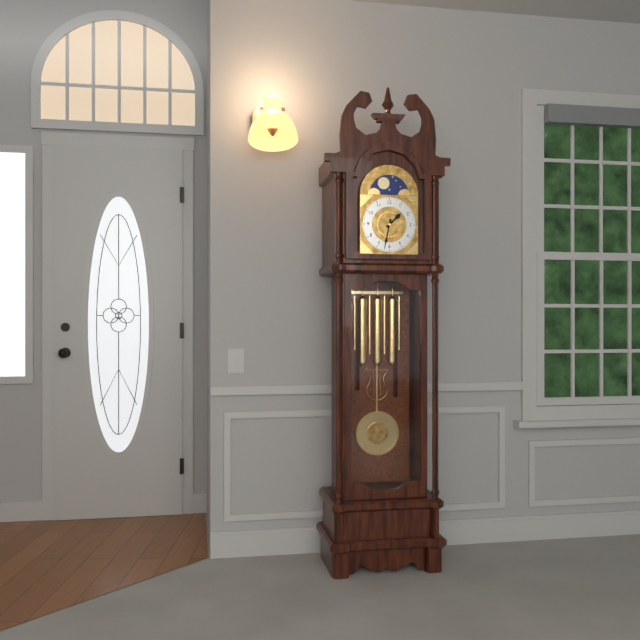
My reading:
1 h 32 min
